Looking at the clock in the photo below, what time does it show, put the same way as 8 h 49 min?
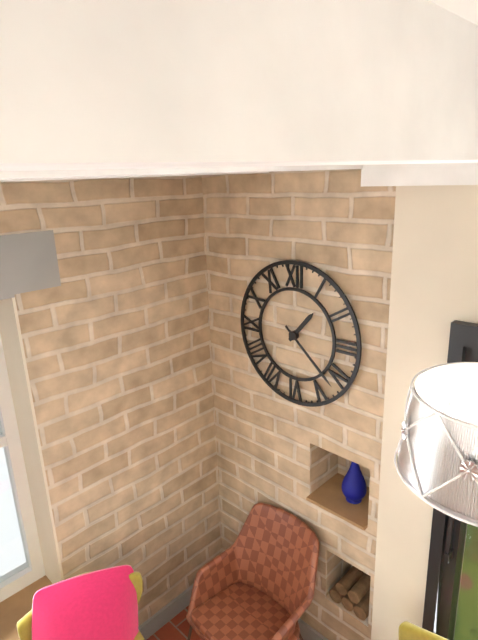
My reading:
1 h 22 min
